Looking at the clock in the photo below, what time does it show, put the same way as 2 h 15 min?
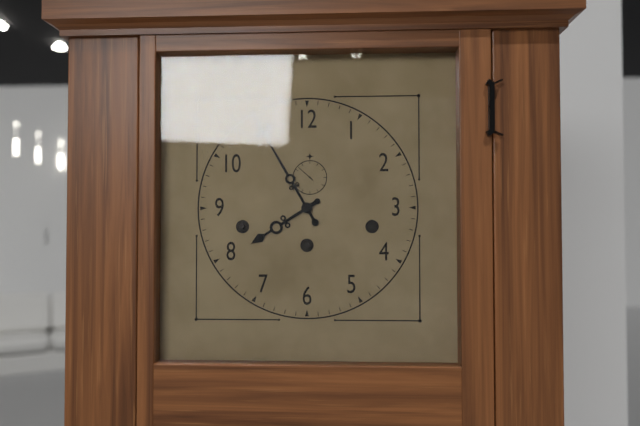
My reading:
7 h 55 min
